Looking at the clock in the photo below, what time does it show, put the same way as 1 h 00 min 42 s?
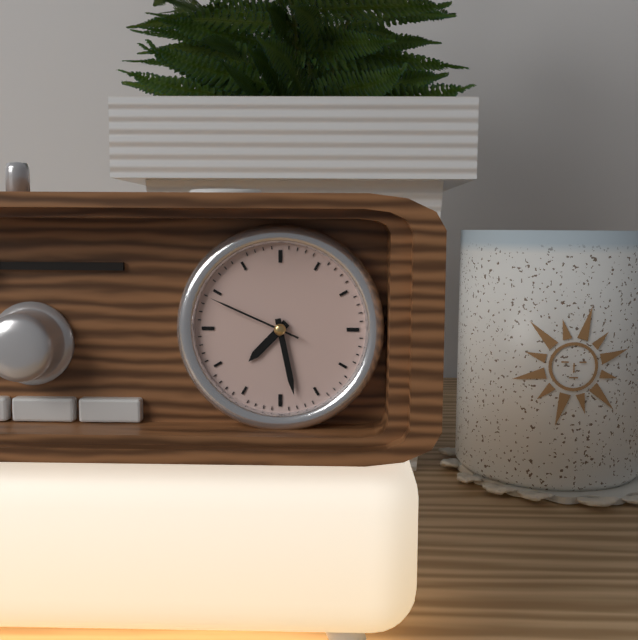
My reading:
7 h 28 min 49 s
